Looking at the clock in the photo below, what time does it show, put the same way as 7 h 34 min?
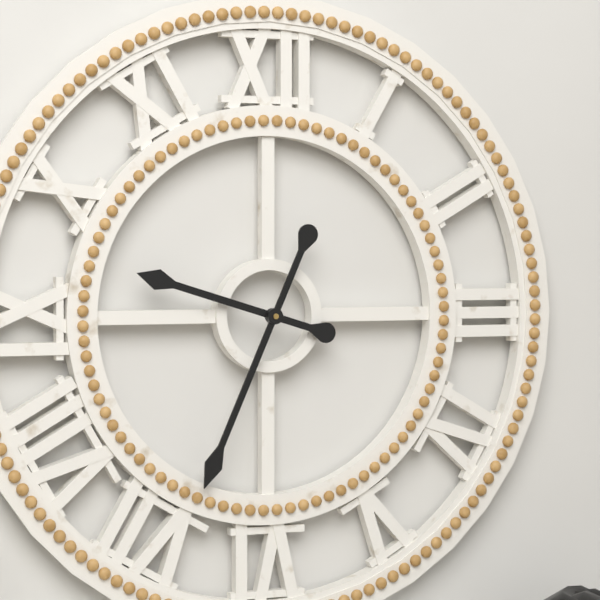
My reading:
9 h 34 min
